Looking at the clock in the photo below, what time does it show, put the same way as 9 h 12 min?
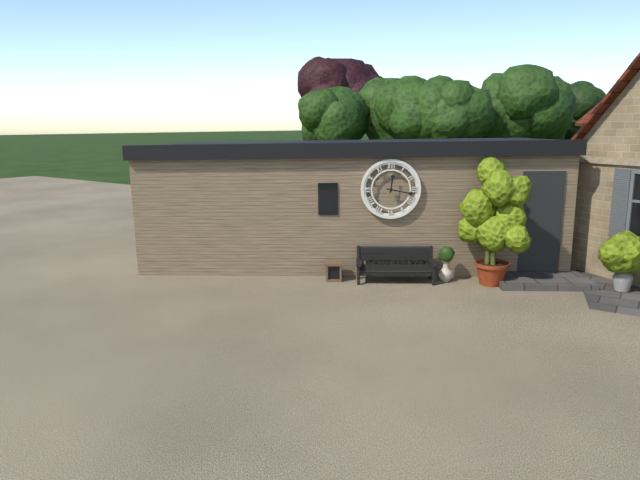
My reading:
12 h 17 min
